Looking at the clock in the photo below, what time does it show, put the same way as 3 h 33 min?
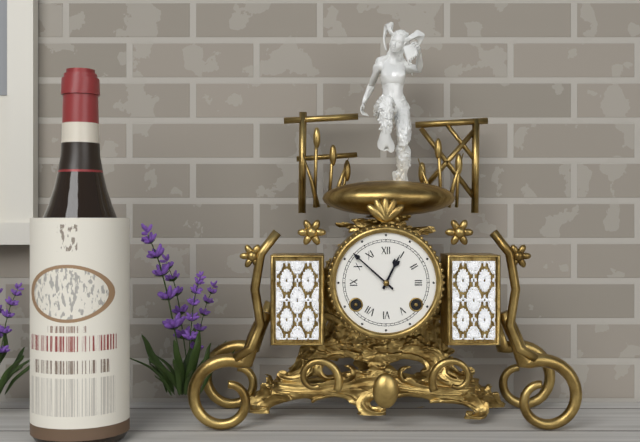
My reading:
12 h 52 min
